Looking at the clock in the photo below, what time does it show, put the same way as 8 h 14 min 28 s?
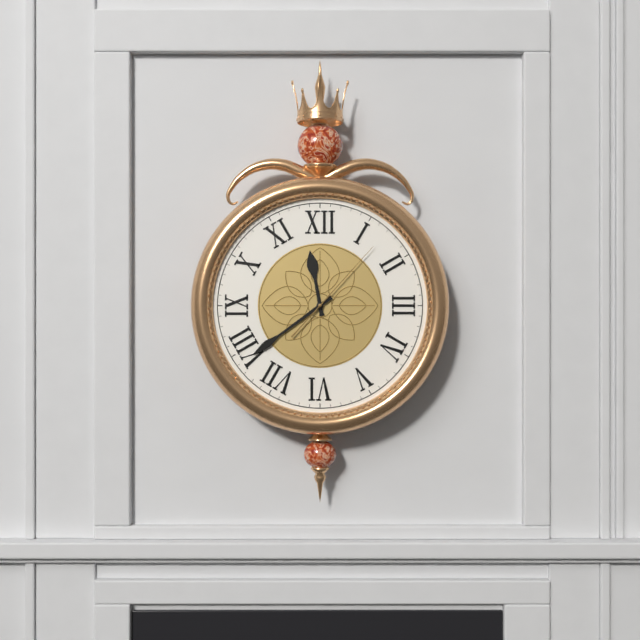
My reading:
11 h 39 min 07 s
